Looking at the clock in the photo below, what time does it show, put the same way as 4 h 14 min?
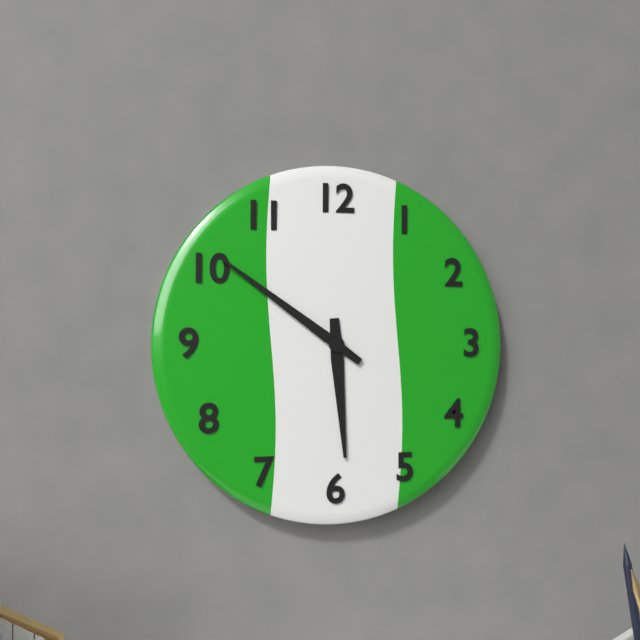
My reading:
5 h 51 min
